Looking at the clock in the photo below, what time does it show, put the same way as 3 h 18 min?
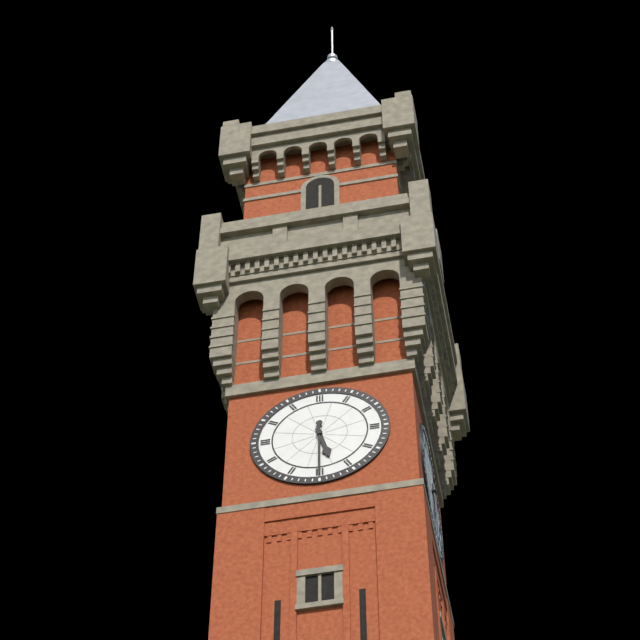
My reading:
5 h 30 min
